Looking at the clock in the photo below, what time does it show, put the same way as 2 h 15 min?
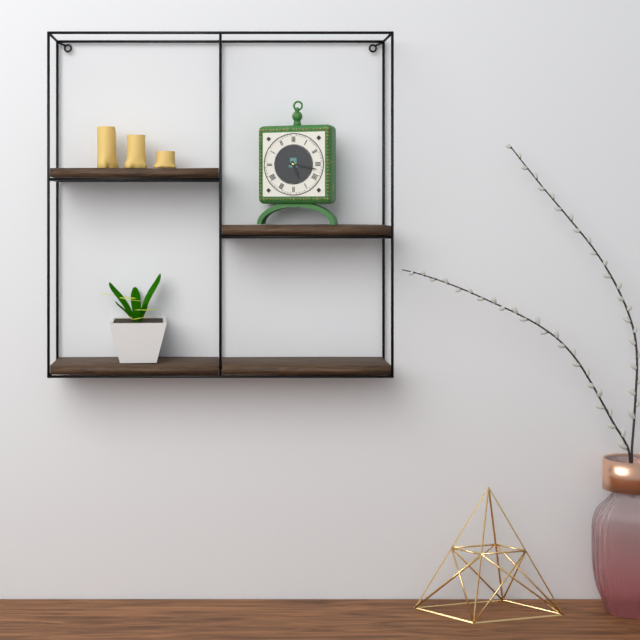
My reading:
5 h 17 min
